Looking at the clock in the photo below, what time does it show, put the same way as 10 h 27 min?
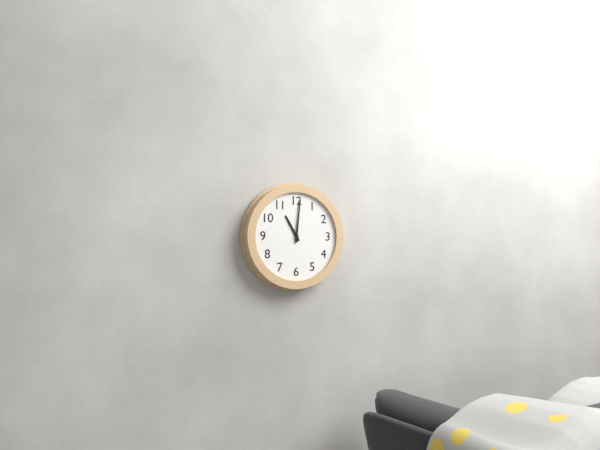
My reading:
11 h 01 min
